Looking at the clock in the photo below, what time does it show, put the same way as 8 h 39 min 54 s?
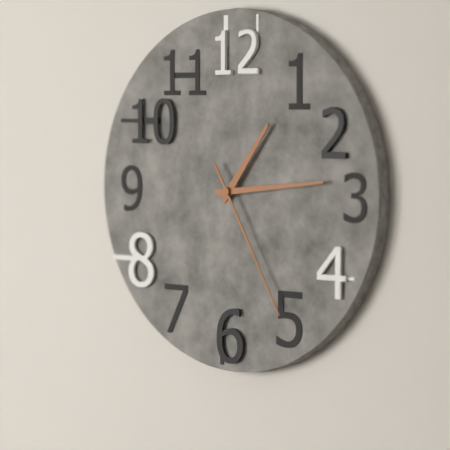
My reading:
1 h 14 min 25 s
